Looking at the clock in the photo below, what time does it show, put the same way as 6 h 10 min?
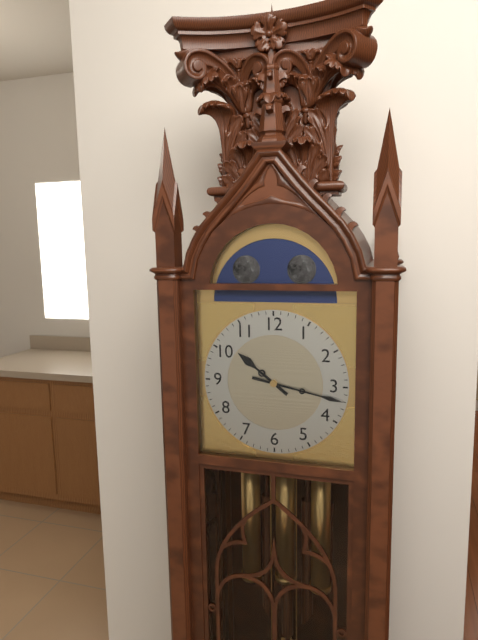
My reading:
10 h 17 min
